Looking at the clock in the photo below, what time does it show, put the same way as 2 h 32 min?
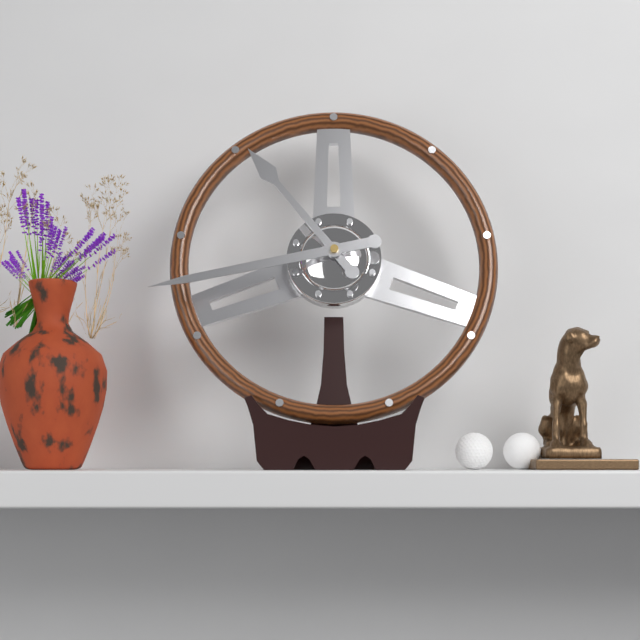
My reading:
10 h 43 min
